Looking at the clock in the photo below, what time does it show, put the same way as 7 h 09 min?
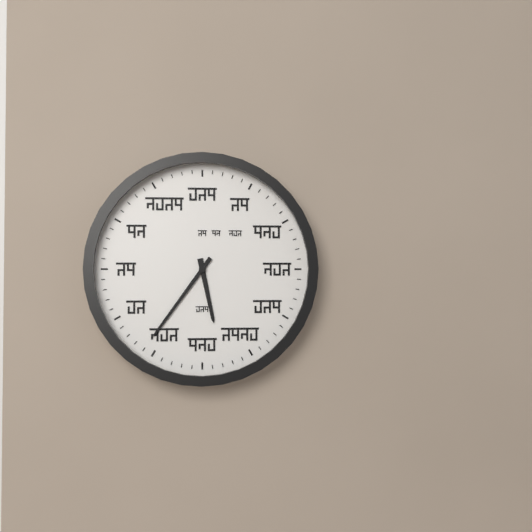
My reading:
5 h 36 min
